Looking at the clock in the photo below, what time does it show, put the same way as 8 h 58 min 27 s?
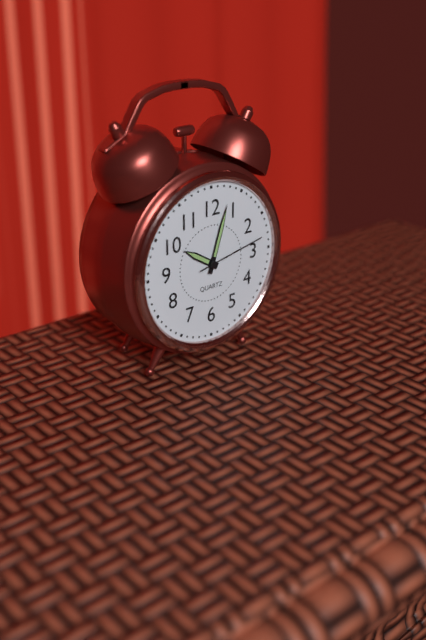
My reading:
10 h 03 min 13 s
